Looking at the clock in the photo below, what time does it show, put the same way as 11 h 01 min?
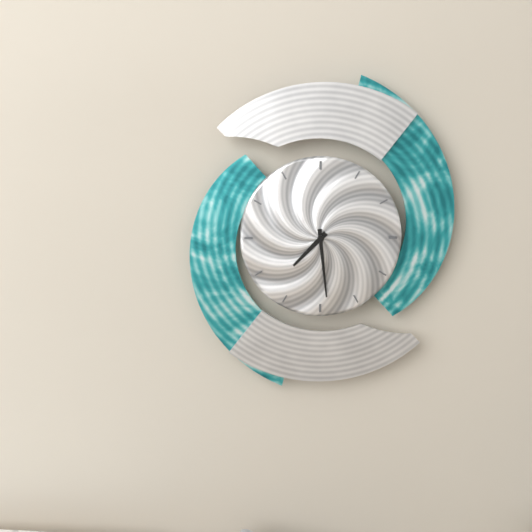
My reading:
7 h 29 min
